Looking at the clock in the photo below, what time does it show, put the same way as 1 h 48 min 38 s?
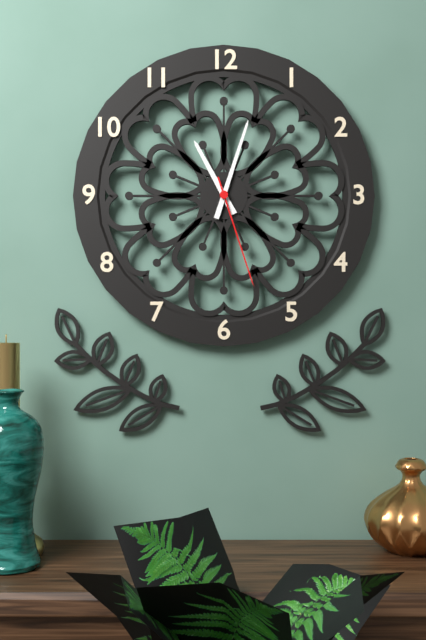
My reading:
11 h 03 min 27 s
